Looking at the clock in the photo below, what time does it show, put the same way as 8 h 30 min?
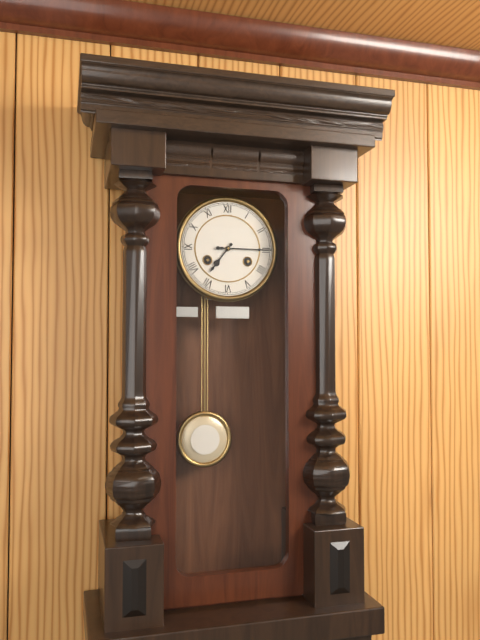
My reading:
7 h 15 min
